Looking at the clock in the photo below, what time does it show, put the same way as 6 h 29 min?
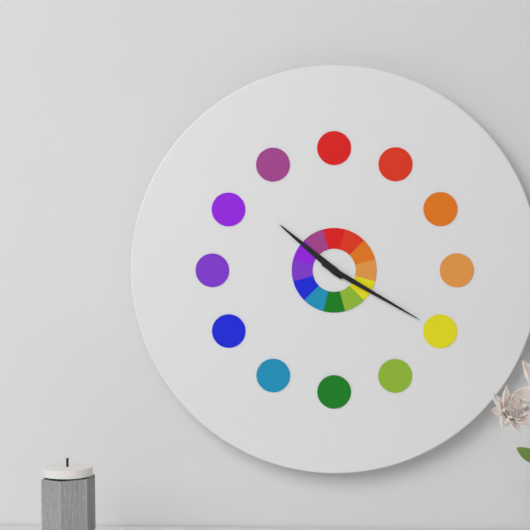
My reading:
10 h 20 min
